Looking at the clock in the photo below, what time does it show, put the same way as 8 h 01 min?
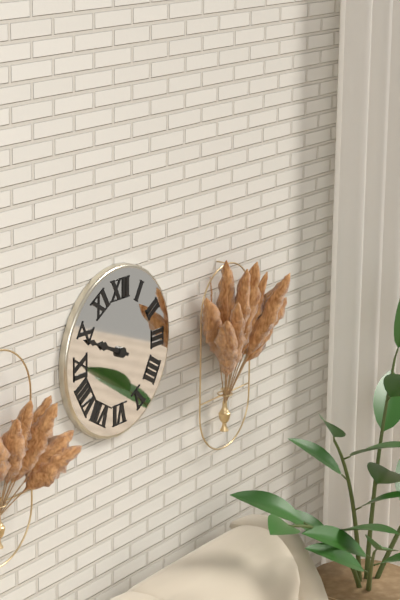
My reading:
9 h 49 min
